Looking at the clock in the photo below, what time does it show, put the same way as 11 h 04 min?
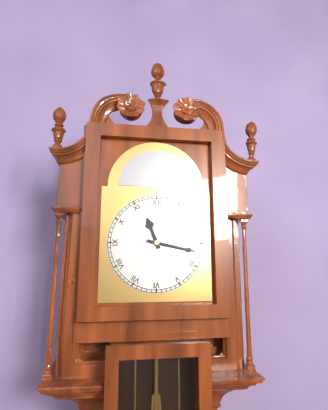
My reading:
11 h 17 min
